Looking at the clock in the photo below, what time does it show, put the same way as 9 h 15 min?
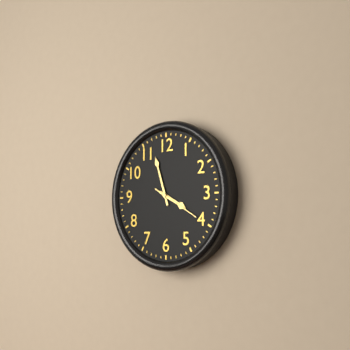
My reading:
3 h 57 min
